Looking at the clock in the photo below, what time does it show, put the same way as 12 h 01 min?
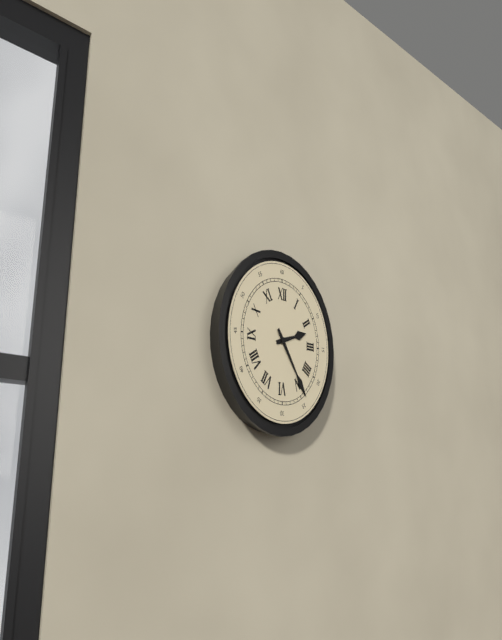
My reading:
2 h 24 min
